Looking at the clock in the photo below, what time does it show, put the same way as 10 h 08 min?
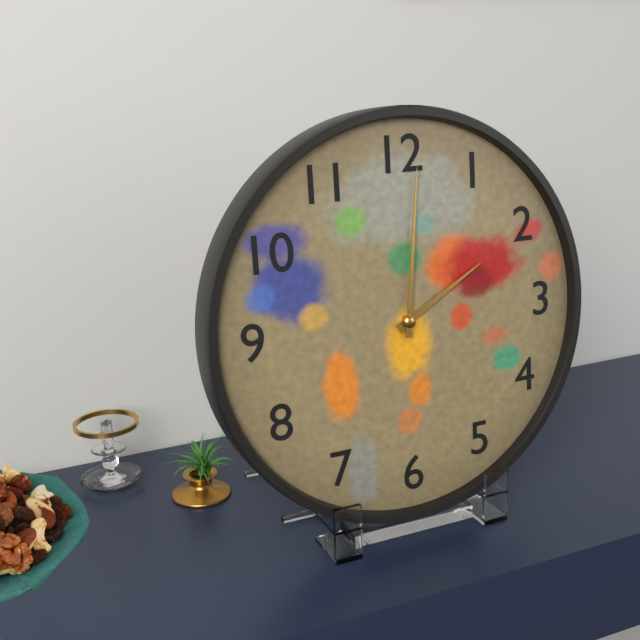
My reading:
2 h 01 min
